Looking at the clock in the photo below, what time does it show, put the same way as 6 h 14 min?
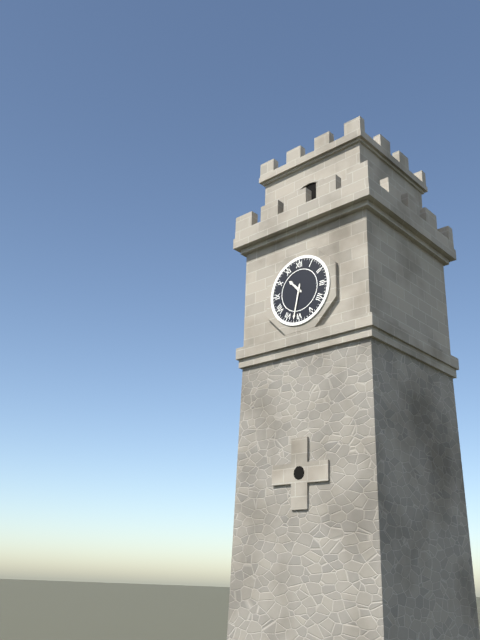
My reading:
10 h 32 min
